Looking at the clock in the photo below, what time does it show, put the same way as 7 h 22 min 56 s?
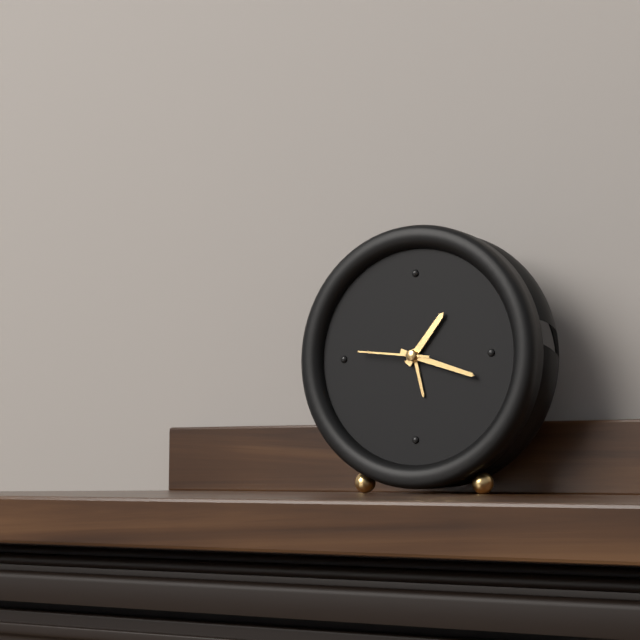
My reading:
1 h 18 min 46 s
